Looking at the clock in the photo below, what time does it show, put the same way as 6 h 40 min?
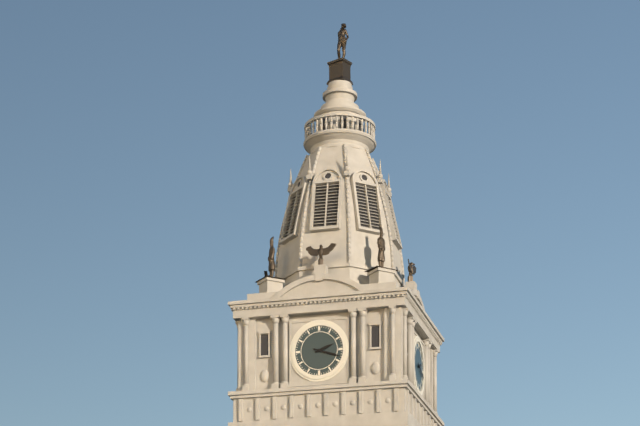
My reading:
2 h 18 min
